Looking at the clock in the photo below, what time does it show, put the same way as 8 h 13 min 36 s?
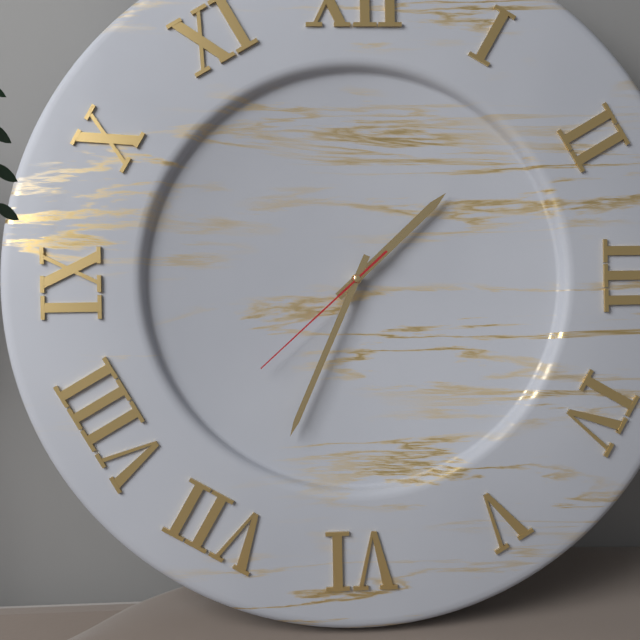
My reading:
1 h 34 min 38 s
